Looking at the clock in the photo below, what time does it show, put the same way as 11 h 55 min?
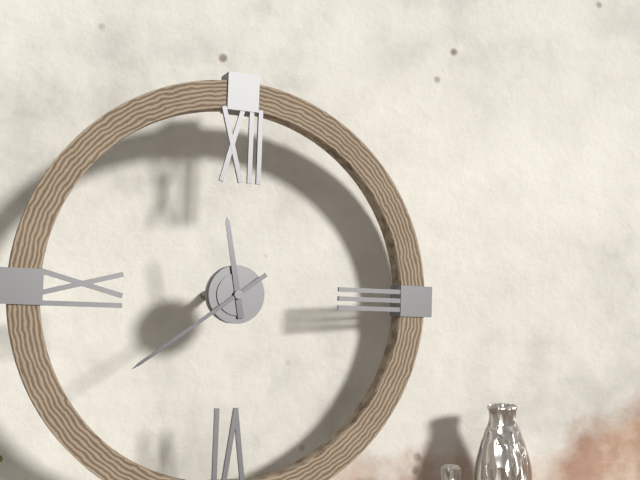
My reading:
11 h 39 min
